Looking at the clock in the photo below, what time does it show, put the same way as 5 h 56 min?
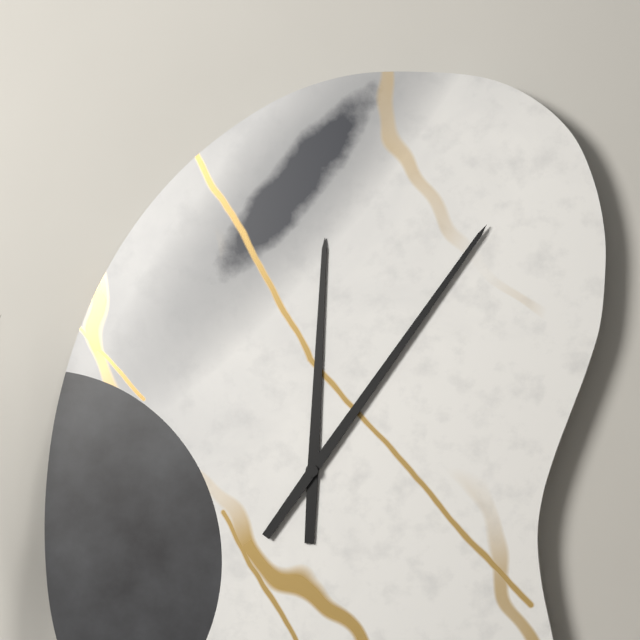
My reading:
12 h 06 min
